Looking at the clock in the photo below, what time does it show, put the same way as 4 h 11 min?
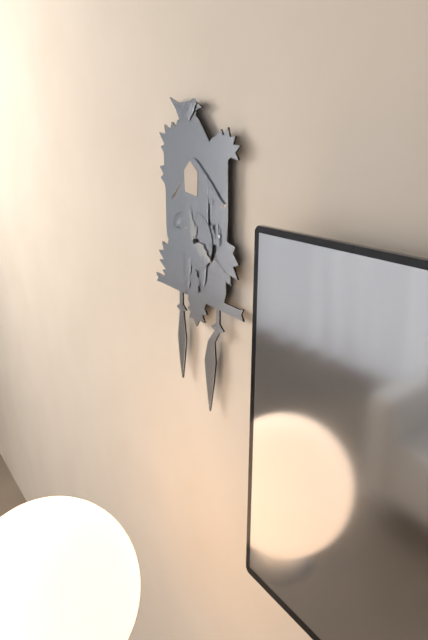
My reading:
11 h 20 min
